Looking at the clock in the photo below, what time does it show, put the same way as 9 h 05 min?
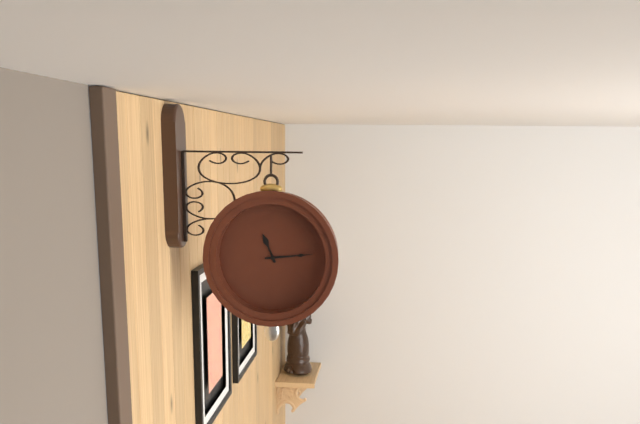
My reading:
11 h 14 min
